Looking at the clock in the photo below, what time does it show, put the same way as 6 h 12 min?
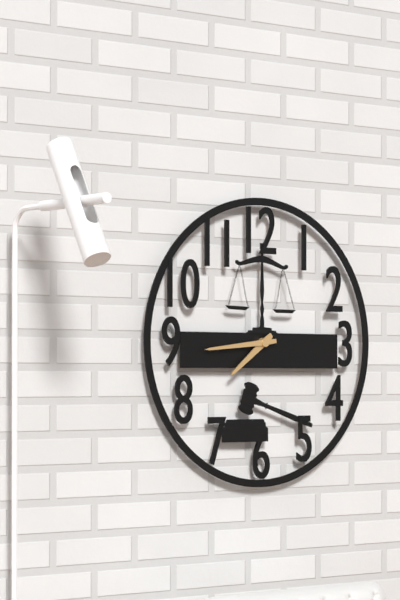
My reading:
7 h 44 min
